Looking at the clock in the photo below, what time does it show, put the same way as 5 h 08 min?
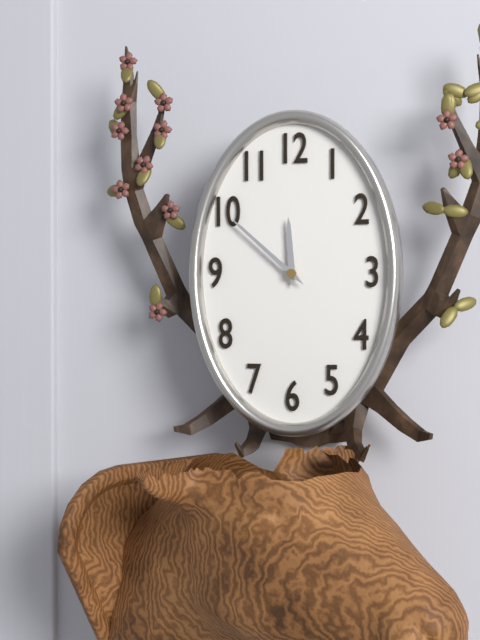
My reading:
11 h 52 min
